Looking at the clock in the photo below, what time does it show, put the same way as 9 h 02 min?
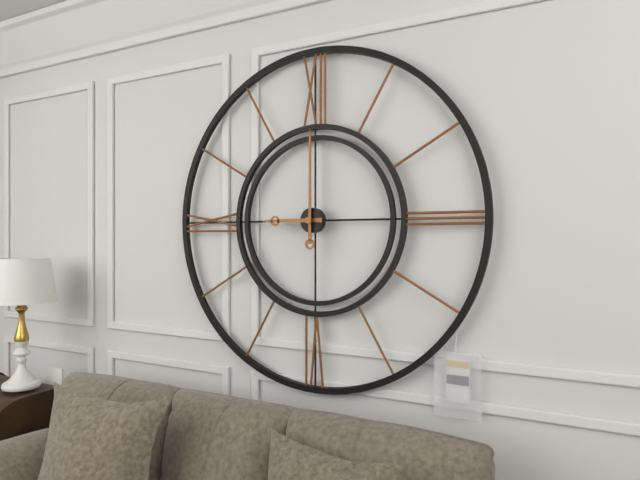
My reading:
9 h 00 min
